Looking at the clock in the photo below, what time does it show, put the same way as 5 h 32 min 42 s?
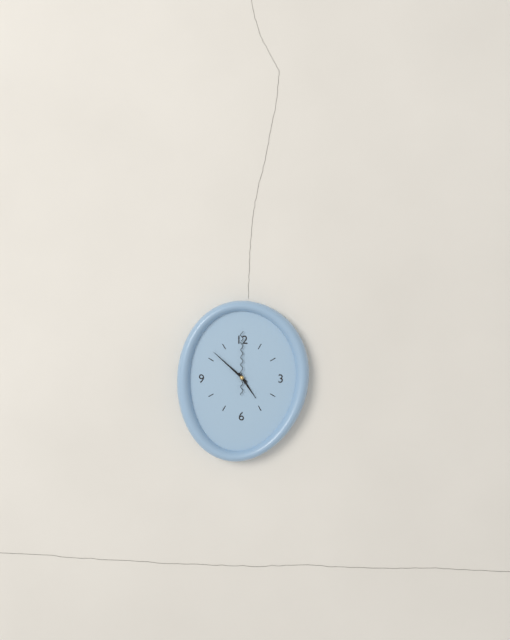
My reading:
4 h 52 min 00 s
